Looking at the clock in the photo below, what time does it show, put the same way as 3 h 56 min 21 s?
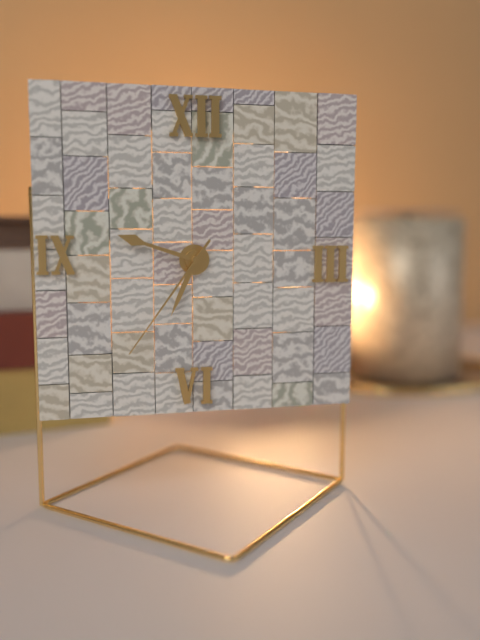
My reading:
6 h 48 min 36 s
